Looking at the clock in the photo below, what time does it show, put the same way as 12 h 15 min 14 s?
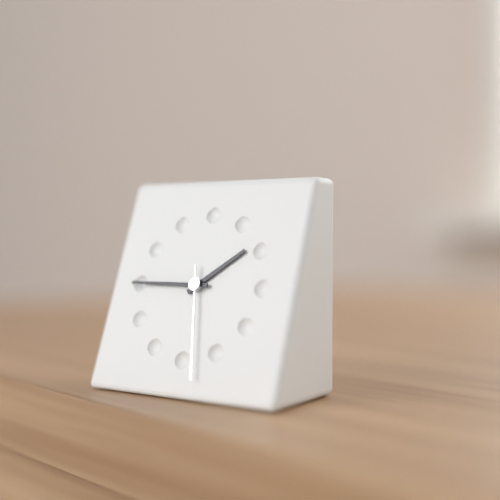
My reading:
1 h 45 min 28 s
